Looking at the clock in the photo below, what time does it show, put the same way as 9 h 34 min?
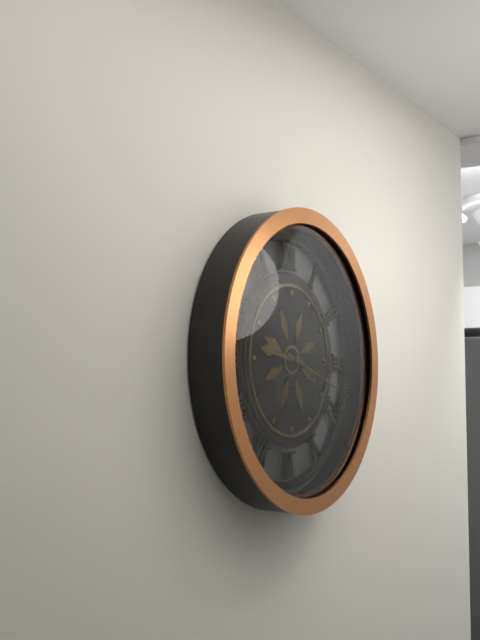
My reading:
9 h 18 min
